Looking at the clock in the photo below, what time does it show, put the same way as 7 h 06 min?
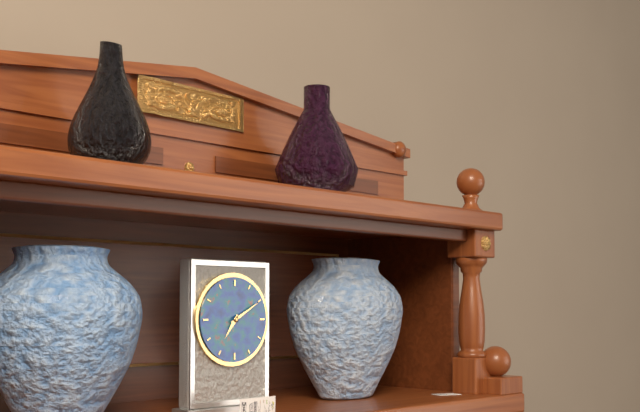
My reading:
7 h 10 min
